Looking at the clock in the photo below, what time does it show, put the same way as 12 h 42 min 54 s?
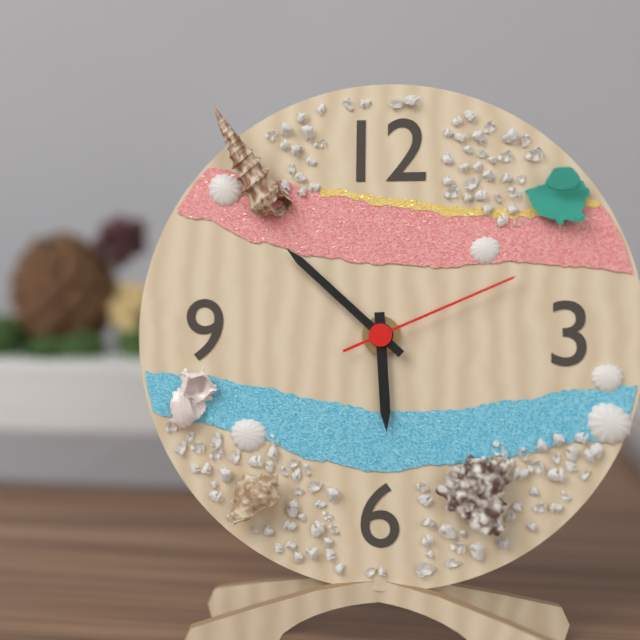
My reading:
5 h 52 min 11 s
